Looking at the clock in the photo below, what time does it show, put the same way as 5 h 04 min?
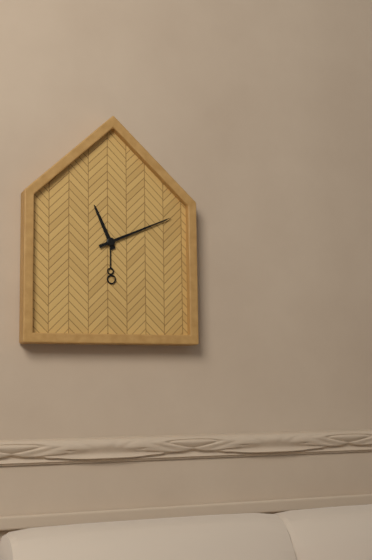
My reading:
11 h 11 min
